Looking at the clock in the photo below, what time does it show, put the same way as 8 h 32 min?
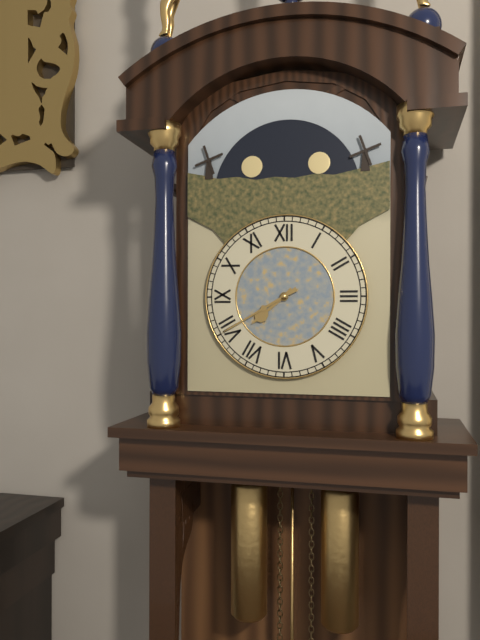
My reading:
7 h 40 min
